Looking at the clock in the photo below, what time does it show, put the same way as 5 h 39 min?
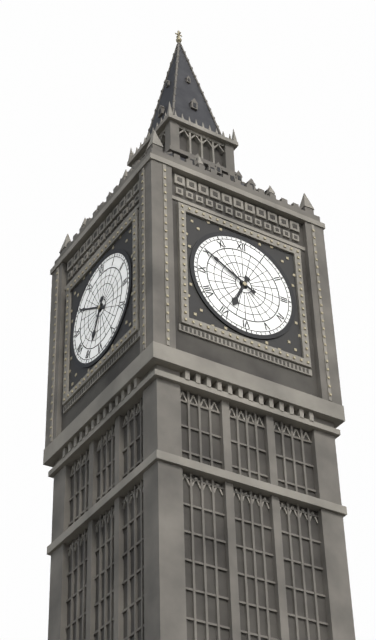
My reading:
6 h 50 min
